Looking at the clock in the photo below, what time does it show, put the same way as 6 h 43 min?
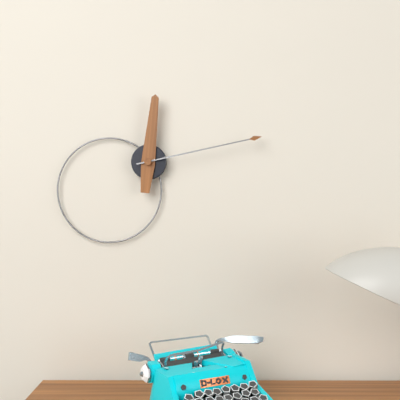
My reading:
12 h 13 min
